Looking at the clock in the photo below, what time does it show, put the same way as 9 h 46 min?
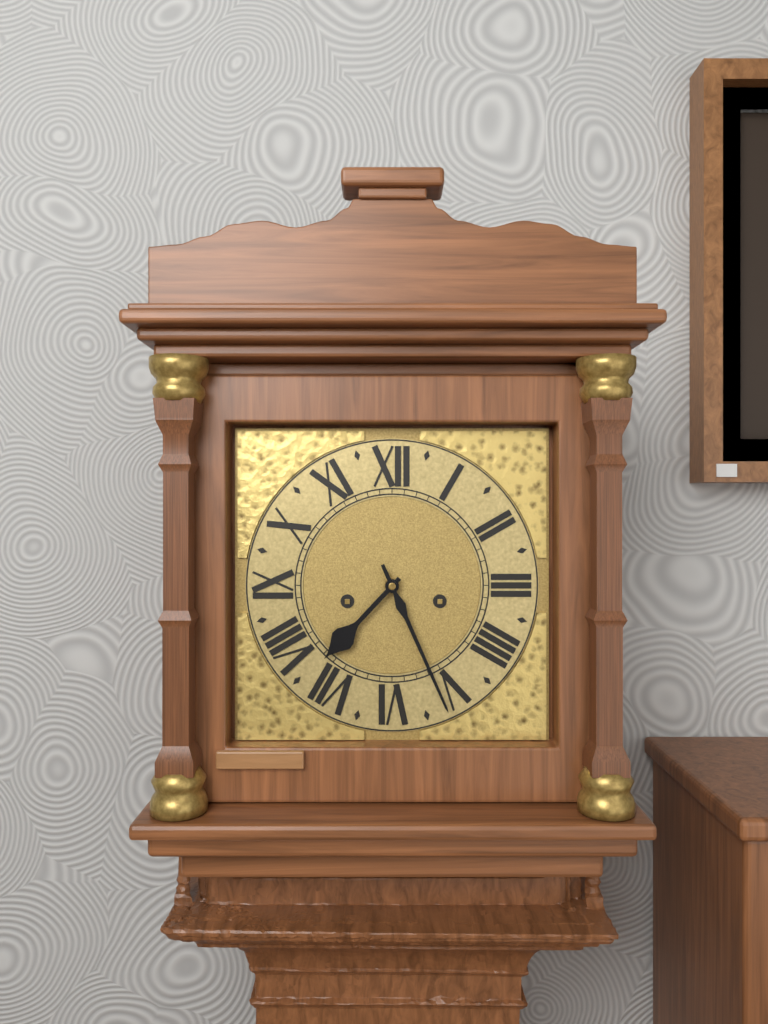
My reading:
7 h 26 min
